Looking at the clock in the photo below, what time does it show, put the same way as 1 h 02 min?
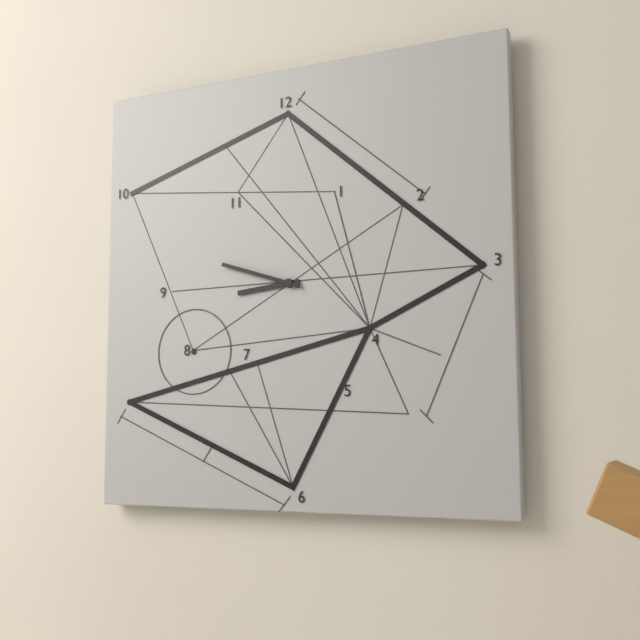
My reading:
8 h 48 min
